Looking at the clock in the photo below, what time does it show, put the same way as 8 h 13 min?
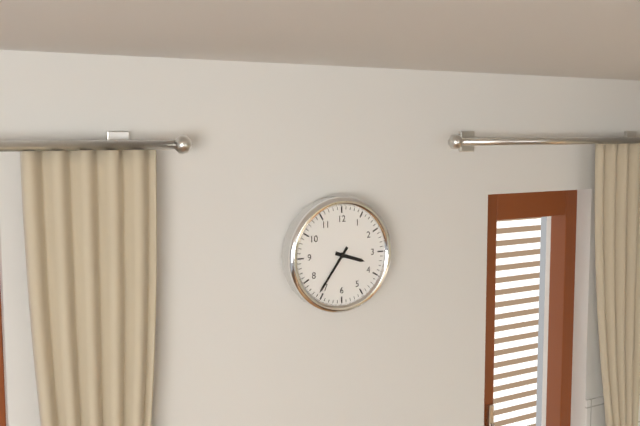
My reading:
3 h 36 min
